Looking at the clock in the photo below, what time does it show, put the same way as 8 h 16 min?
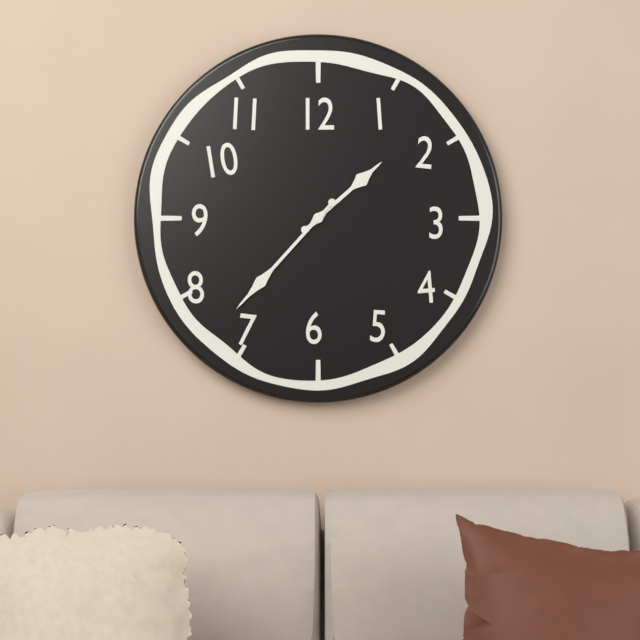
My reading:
1 h 37 min
